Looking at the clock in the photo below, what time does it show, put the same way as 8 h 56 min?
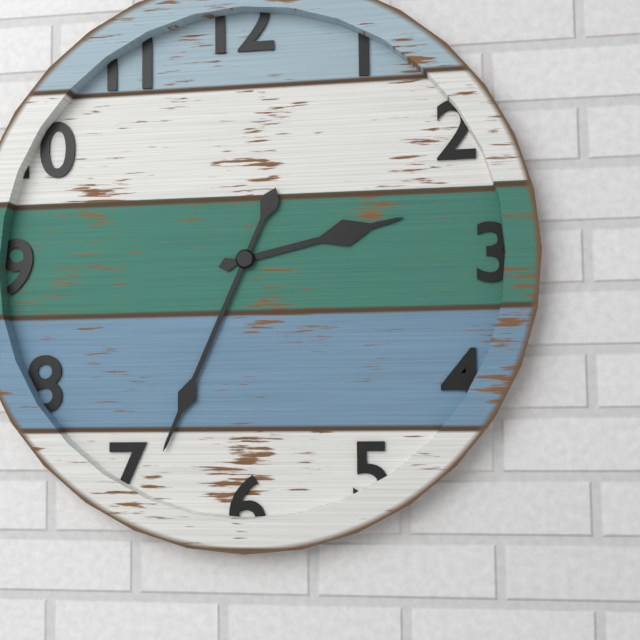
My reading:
2 h 34 min
